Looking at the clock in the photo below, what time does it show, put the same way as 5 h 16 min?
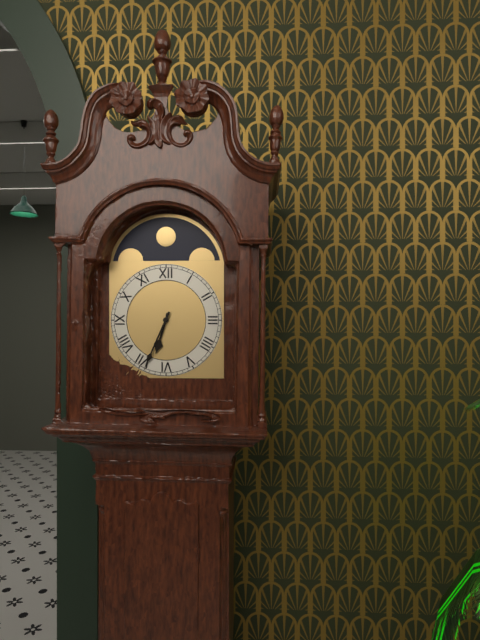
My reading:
6 h 34 min
